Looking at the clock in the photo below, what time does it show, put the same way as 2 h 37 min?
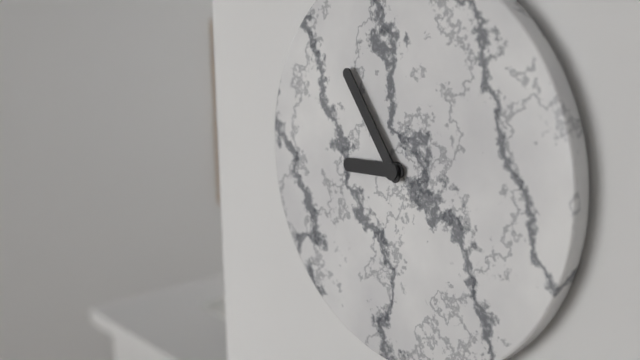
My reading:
8 h 54 min
